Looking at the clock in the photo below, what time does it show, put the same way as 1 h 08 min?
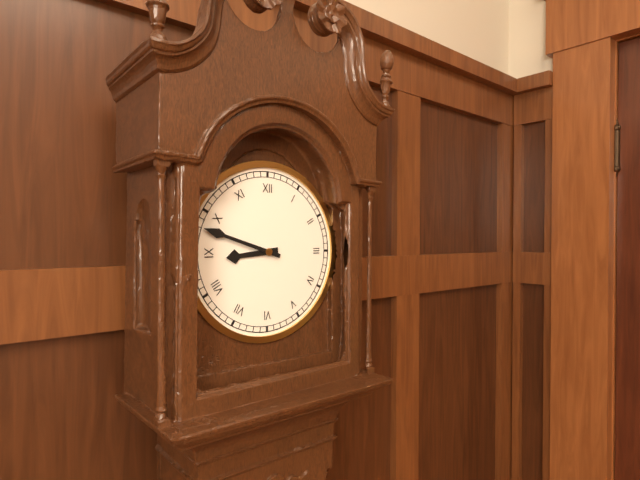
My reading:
8 h 48 min
